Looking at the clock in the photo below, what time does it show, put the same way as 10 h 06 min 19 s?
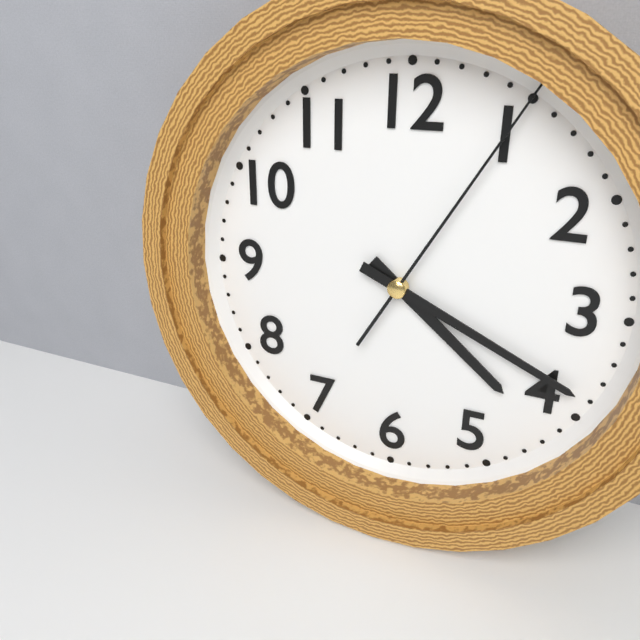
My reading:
4 h 19 min 05 s
